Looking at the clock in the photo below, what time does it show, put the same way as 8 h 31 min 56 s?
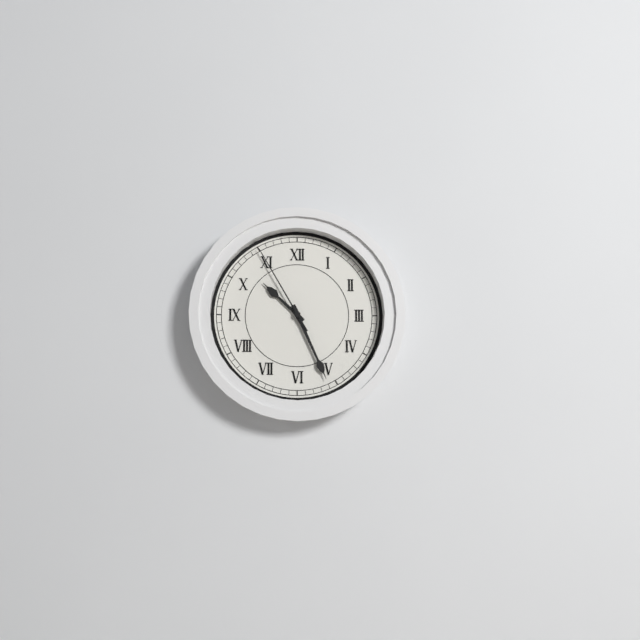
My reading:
10 h 26 min 55 s
